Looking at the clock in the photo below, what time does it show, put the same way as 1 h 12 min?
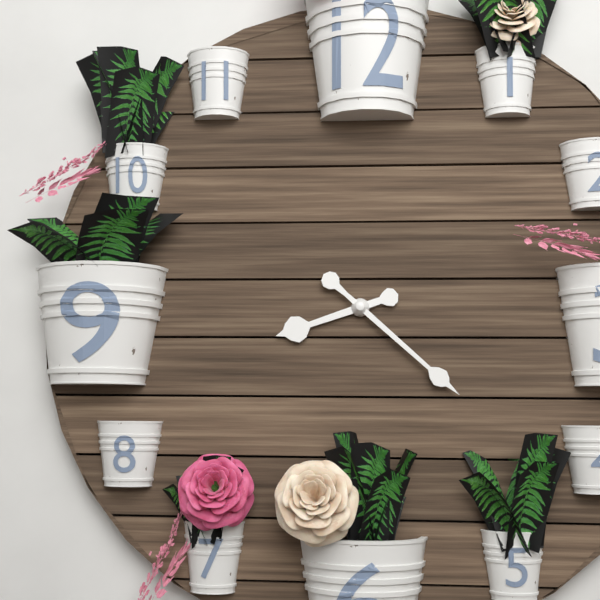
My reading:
8 h 22 min
